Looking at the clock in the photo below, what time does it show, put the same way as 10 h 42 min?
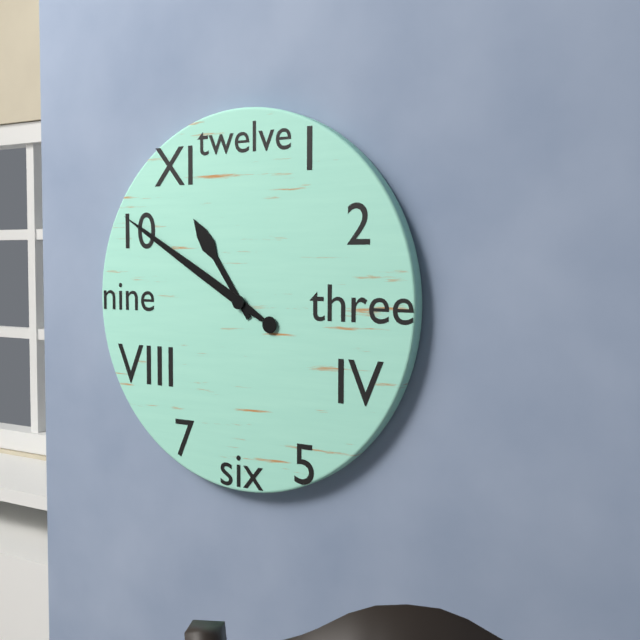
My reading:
10 h 50 min
